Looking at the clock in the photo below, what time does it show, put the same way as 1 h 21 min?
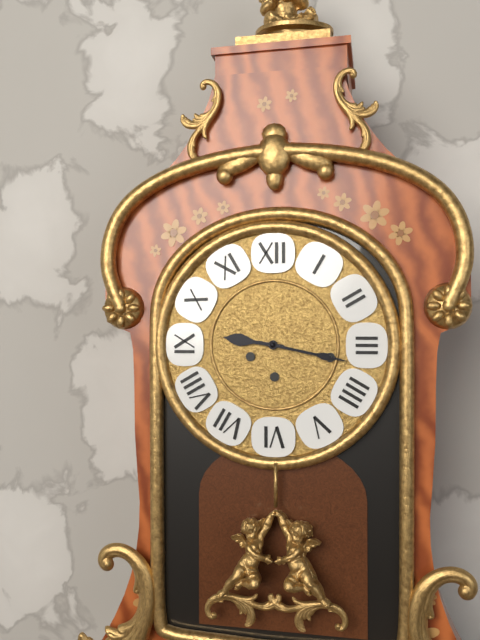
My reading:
9 h 17 min
